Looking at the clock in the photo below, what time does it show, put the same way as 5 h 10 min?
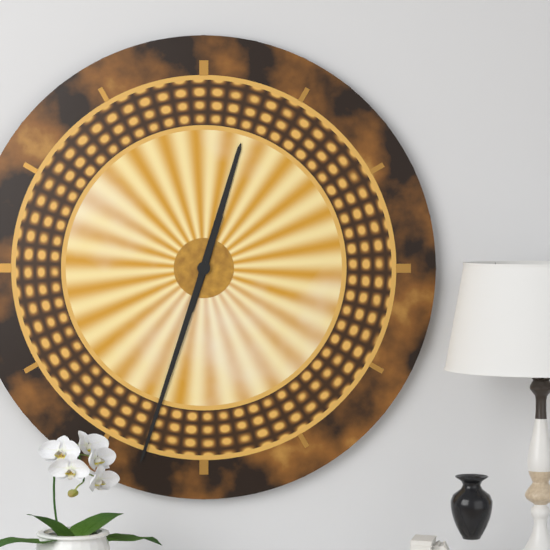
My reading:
12 h 33 min
